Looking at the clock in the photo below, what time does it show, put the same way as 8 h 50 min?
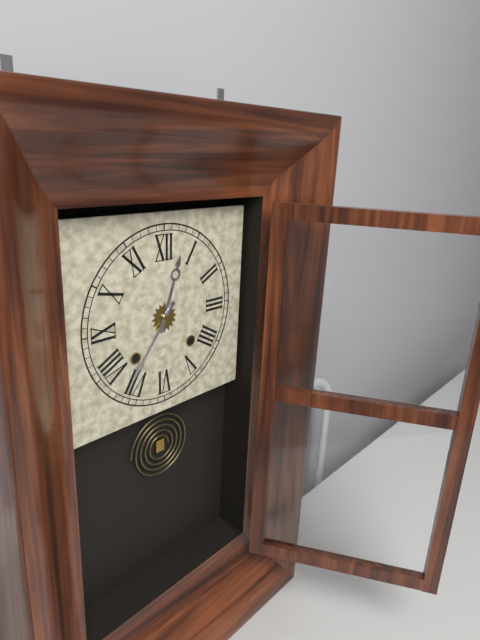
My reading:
12 h 36 min
